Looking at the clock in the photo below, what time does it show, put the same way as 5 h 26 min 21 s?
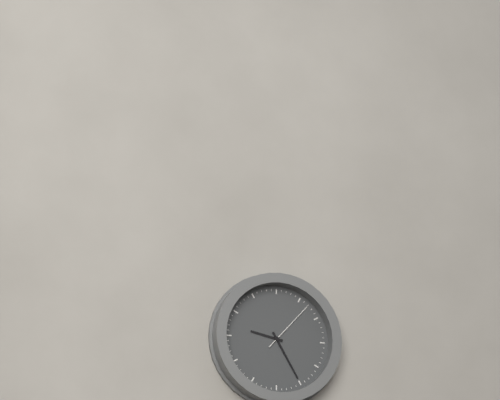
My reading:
9 h 25 min 07 s
